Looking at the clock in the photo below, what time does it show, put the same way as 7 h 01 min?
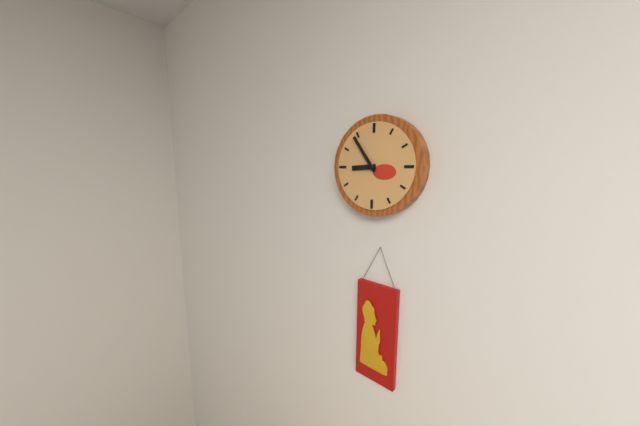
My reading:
8 h 54 min
